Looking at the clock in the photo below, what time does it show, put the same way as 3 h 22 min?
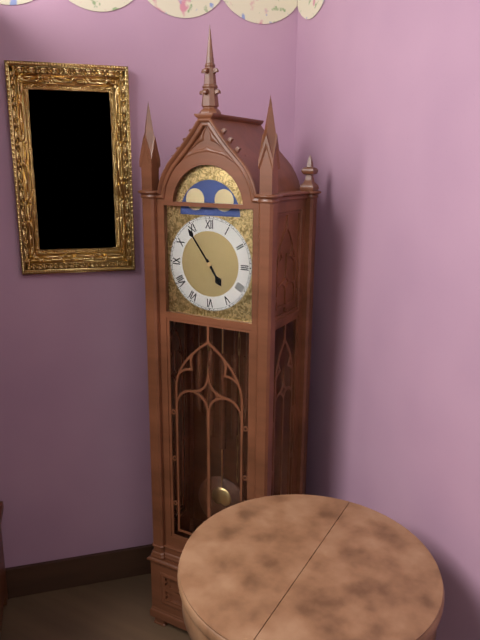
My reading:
4 h 54 min
